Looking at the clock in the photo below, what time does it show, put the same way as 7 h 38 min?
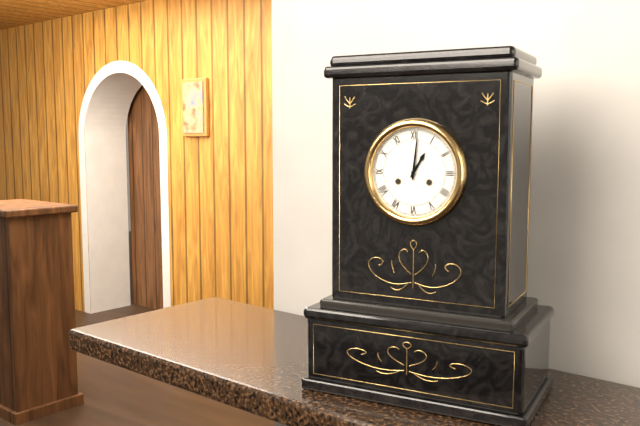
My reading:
1 h 01 min
